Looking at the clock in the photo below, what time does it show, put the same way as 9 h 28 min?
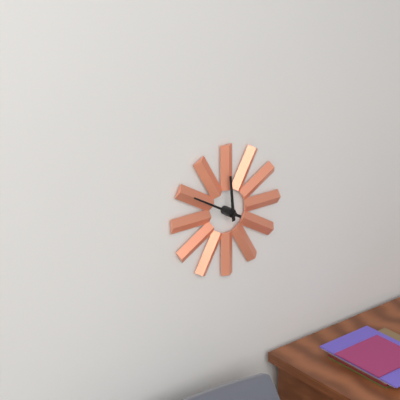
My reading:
11 h 50 min
